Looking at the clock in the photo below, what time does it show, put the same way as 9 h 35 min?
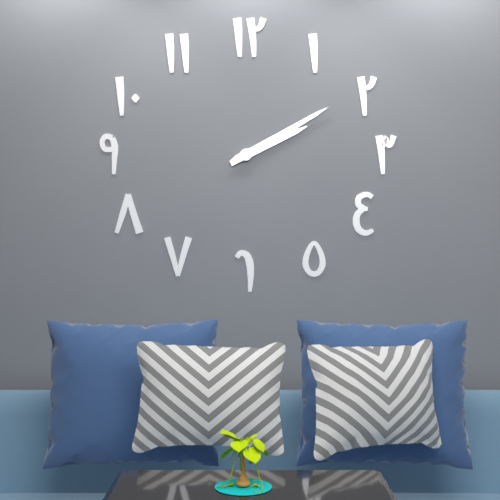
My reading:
2 h 10 min
